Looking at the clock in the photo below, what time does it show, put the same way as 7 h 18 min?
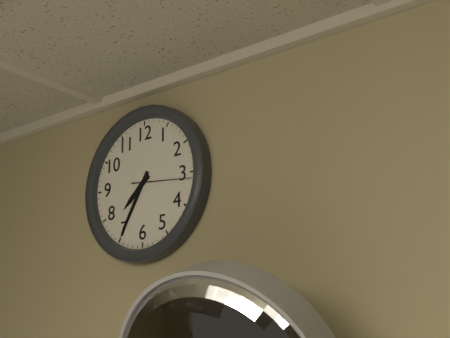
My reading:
7 h 35 min
